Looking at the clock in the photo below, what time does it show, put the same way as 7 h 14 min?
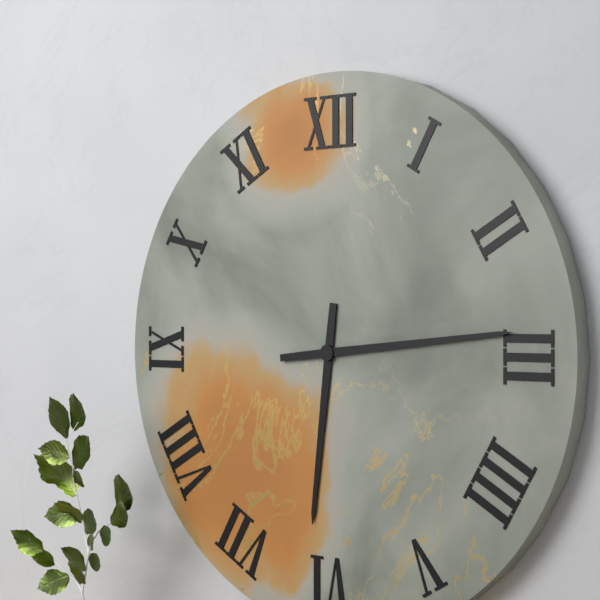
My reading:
6 h 14 min
